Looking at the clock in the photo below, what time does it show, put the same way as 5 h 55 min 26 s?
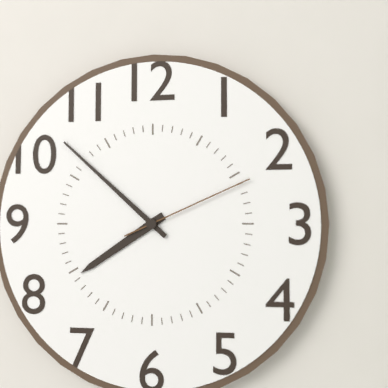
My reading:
7 h 52 min 11 s
